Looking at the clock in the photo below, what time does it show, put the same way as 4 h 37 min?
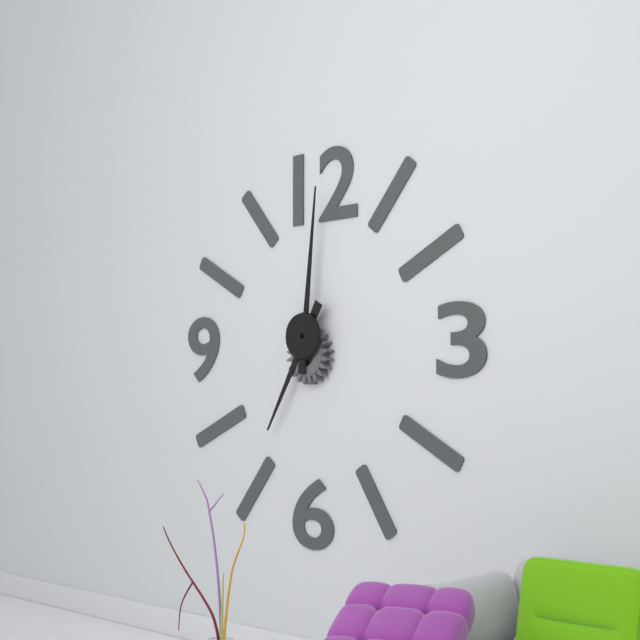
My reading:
7 h 01 min
